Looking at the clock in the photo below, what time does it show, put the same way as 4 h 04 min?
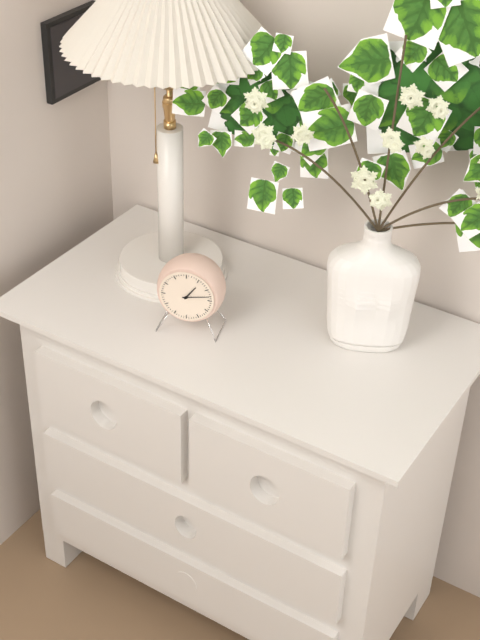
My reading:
1 h 13 min
